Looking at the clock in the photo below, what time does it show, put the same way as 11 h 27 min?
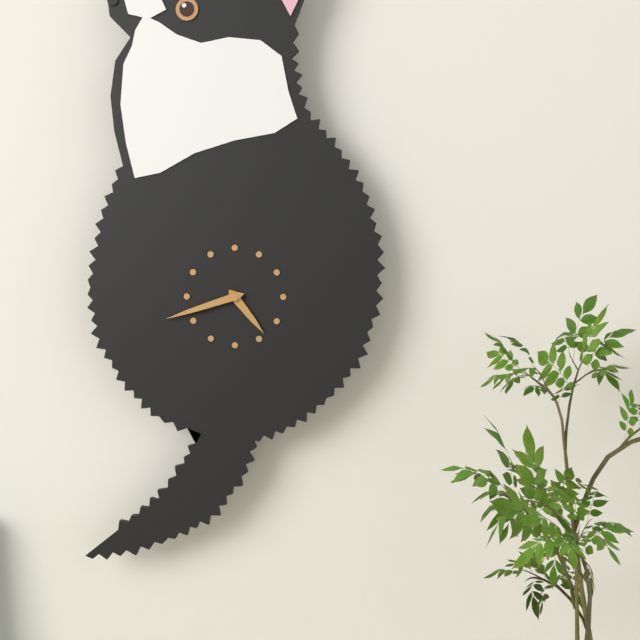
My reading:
4 h 42 min
